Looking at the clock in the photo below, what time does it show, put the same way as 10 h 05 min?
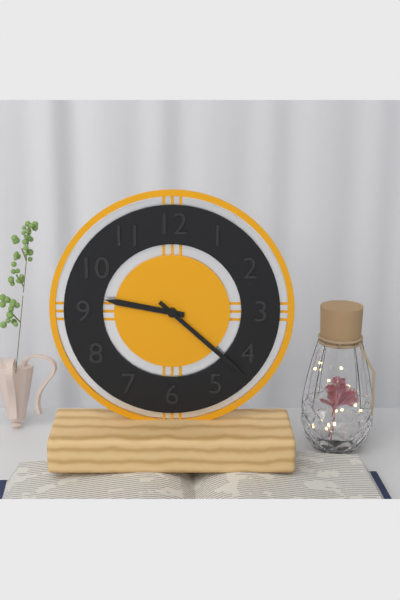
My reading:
9 h 22 min
